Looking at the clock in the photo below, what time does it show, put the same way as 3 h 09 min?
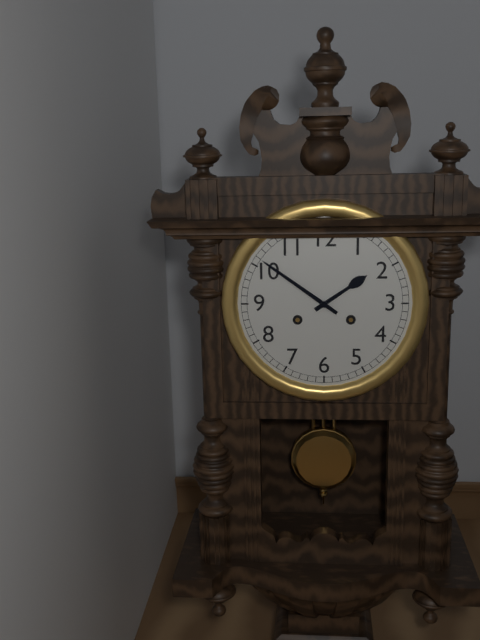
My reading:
1 h 51 min
